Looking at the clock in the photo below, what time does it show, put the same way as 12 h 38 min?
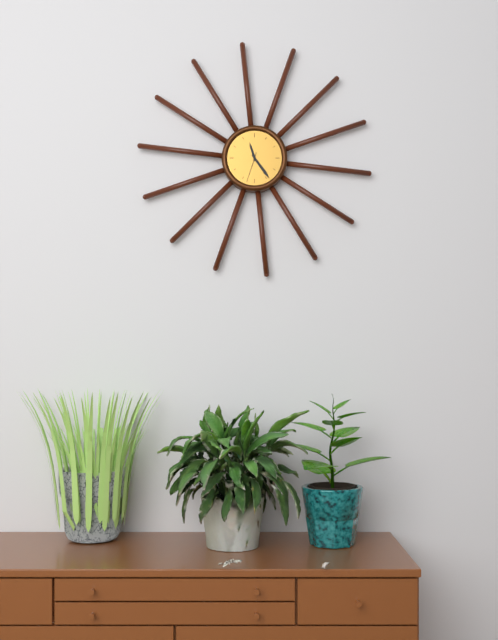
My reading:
11 h 24 min
